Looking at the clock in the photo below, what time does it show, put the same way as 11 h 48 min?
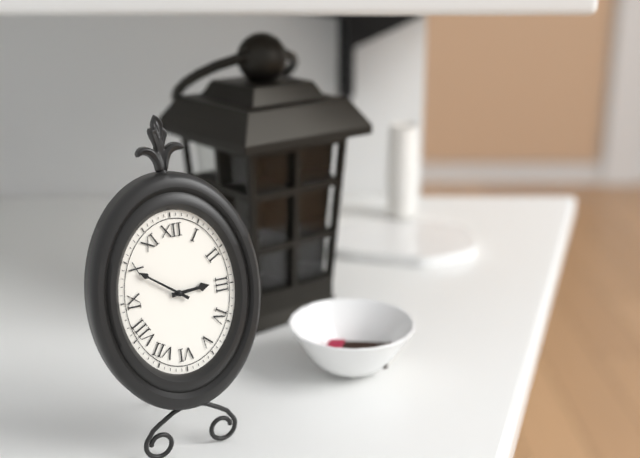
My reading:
2 h 51 min
